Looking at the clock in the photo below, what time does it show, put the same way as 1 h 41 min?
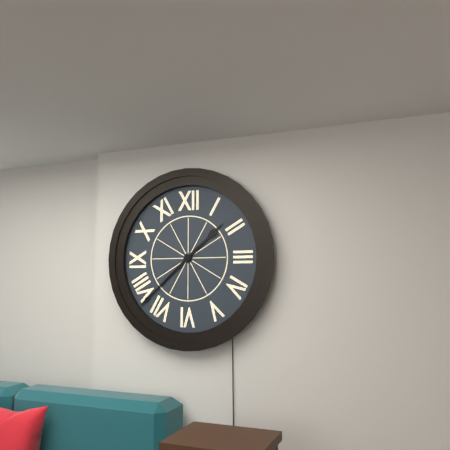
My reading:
1 h 38 min
